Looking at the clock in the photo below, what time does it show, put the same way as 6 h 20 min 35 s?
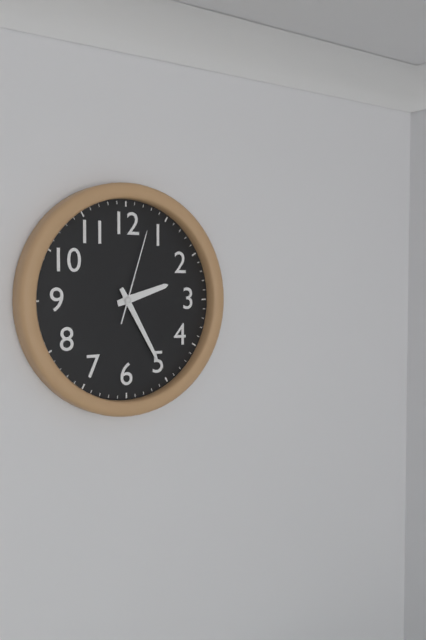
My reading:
2 h 25 min 03 s
